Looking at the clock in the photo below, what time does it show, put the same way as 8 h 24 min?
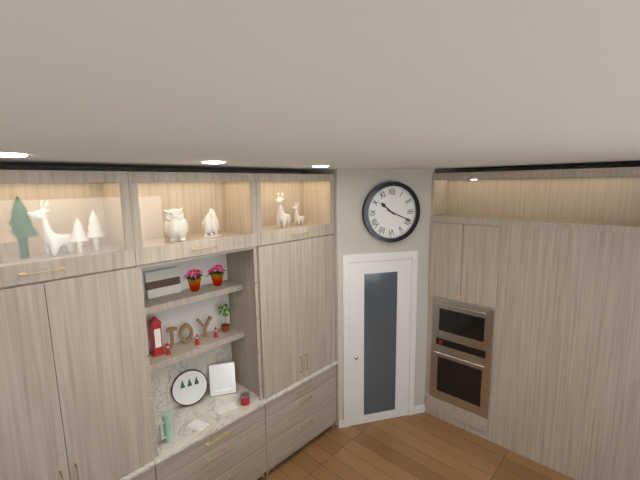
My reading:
10 h 19 min
